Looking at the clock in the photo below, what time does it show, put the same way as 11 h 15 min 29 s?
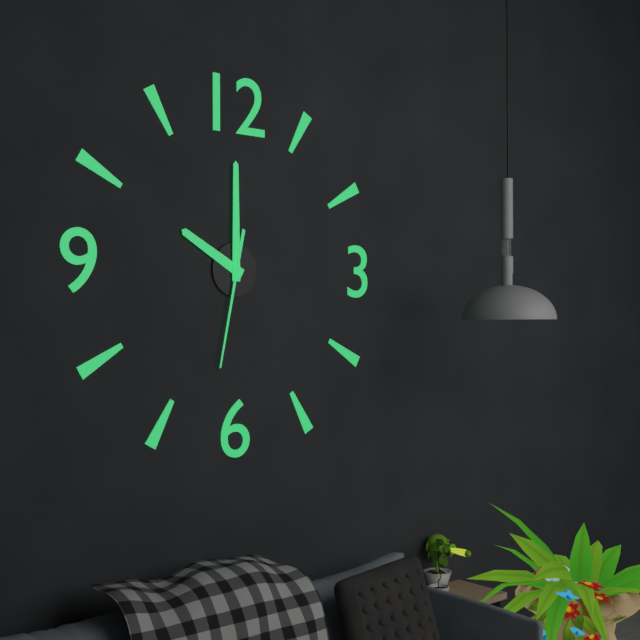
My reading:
10 h 00 min 32 s
